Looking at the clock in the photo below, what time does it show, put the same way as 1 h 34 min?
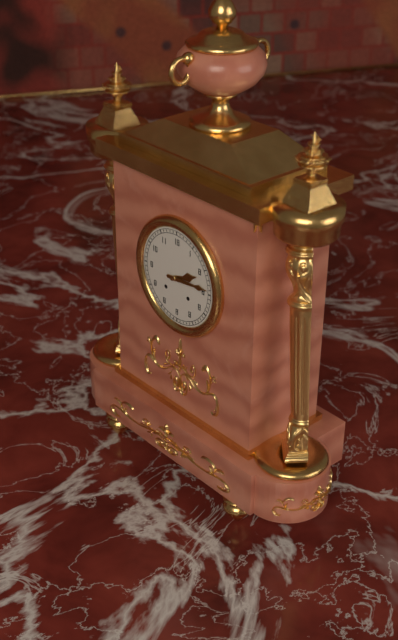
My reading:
2 h 14 min
